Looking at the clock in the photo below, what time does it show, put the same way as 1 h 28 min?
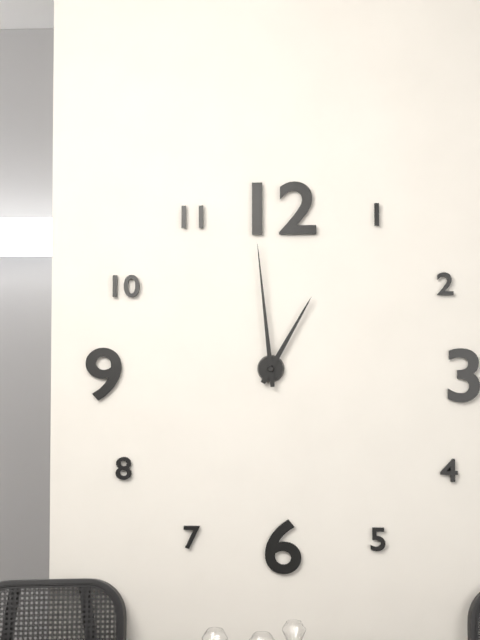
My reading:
12 h 59 min
